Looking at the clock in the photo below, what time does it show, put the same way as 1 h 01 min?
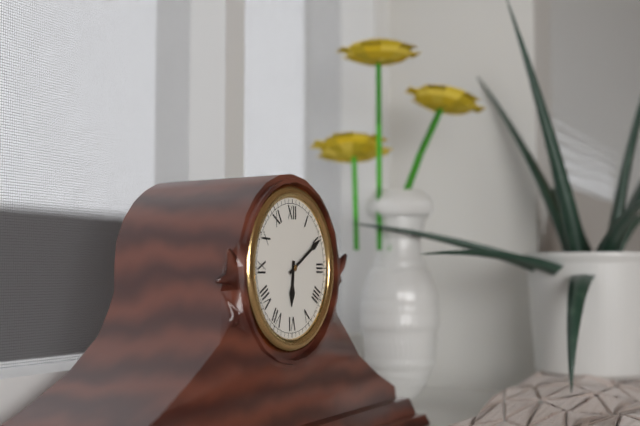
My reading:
6 h 10 min
